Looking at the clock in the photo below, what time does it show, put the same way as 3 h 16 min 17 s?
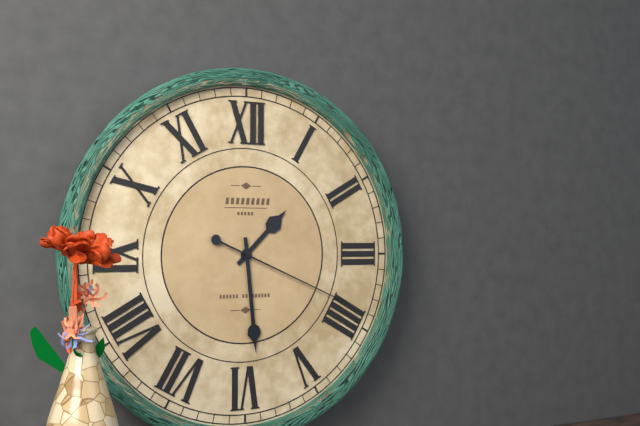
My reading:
1 h 29 min 19 s
